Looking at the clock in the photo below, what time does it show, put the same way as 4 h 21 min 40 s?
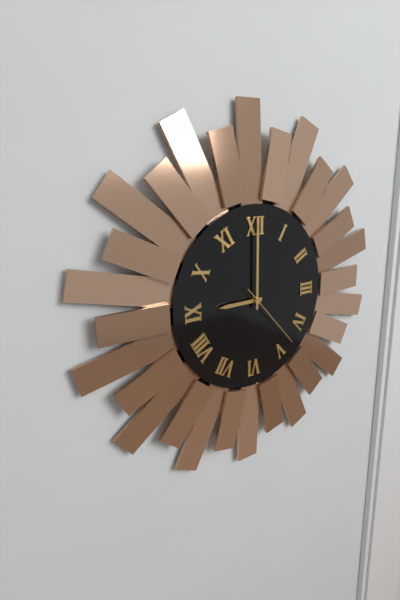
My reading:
9 h 00 min 23 s
